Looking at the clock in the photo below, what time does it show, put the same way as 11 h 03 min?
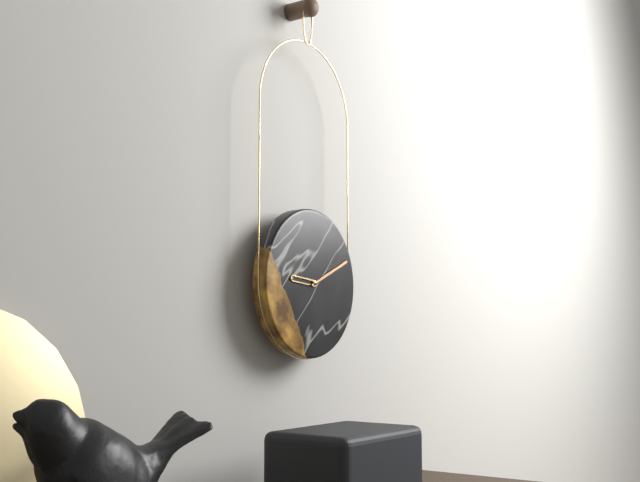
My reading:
9 h 11 min
